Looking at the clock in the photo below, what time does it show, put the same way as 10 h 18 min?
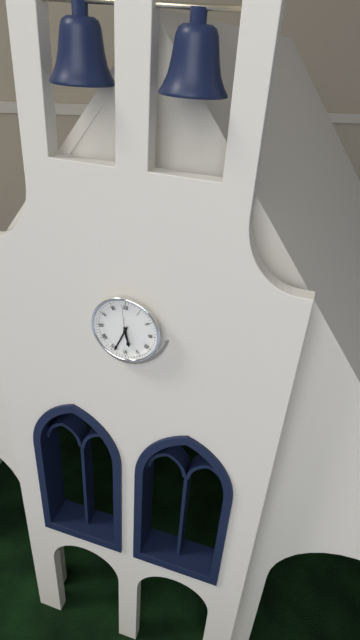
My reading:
5 h 34 min
